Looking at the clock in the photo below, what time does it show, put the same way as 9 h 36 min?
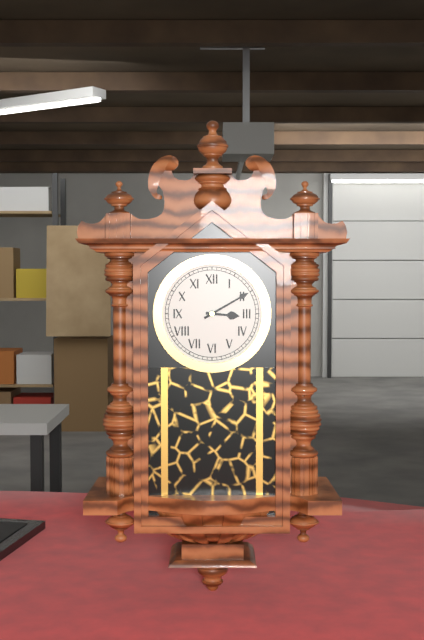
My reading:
3 h 10 min
